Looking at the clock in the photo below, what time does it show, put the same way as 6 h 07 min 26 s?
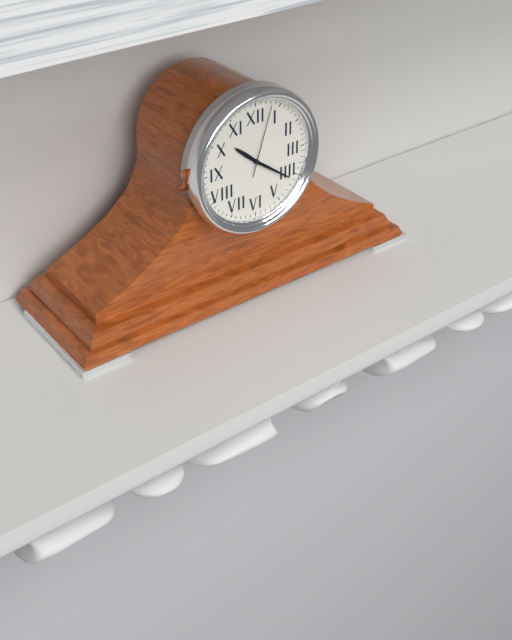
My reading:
10 h 21 min 03 s
